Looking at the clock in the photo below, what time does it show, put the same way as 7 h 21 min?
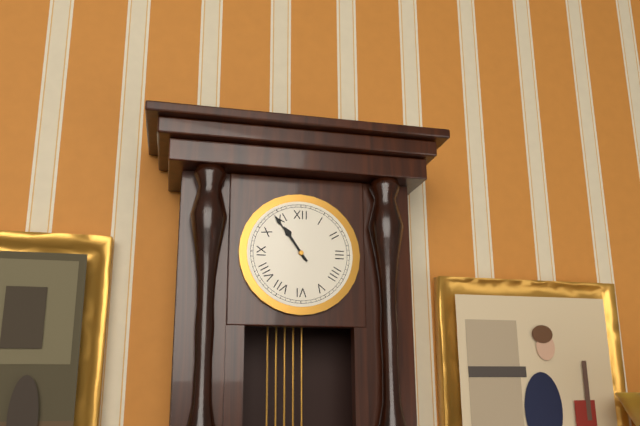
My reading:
10 h 54 min
